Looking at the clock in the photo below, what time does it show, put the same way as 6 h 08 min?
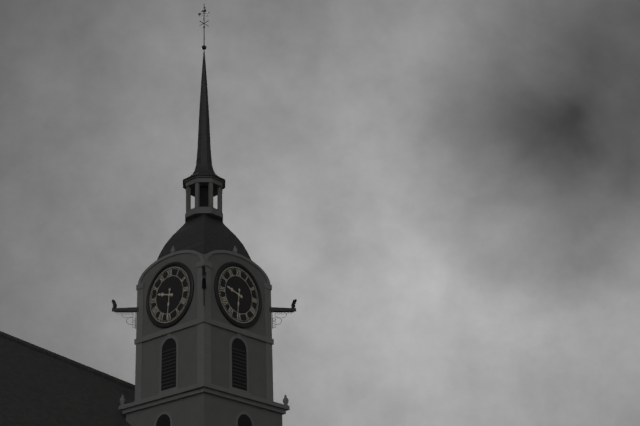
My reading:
9 h 31 min
